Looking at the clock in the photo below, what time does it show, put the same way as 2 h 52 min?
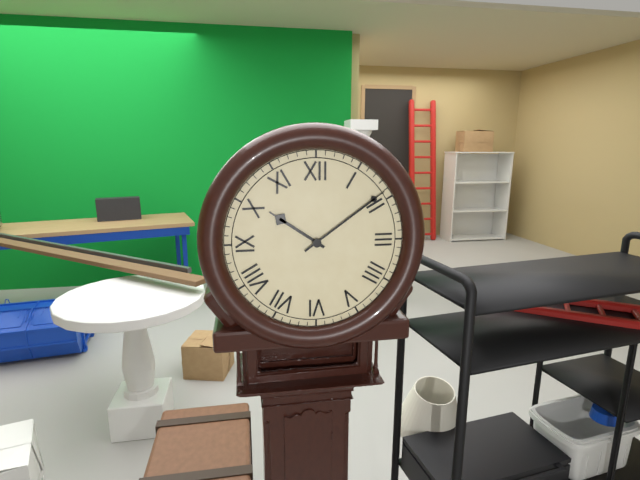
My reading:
10 h 09 min
